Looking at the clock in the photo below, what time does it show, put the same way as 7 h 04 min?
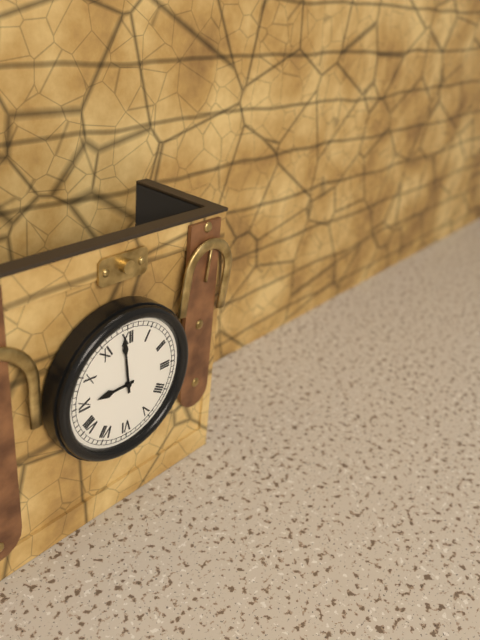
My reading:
8 h 59 min
